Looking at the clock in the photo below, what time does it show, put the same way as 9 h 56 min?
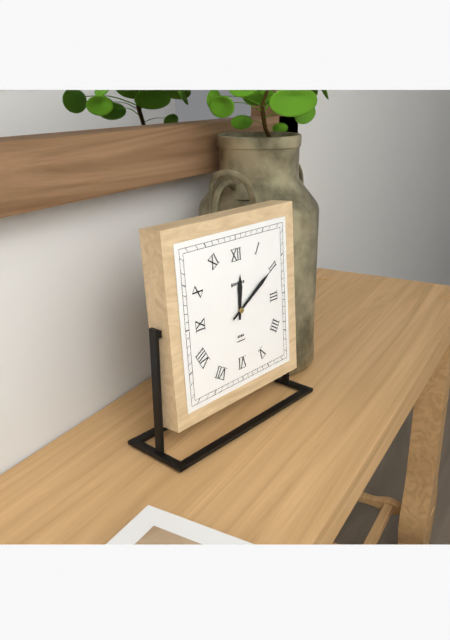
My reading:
12 h 10 min
